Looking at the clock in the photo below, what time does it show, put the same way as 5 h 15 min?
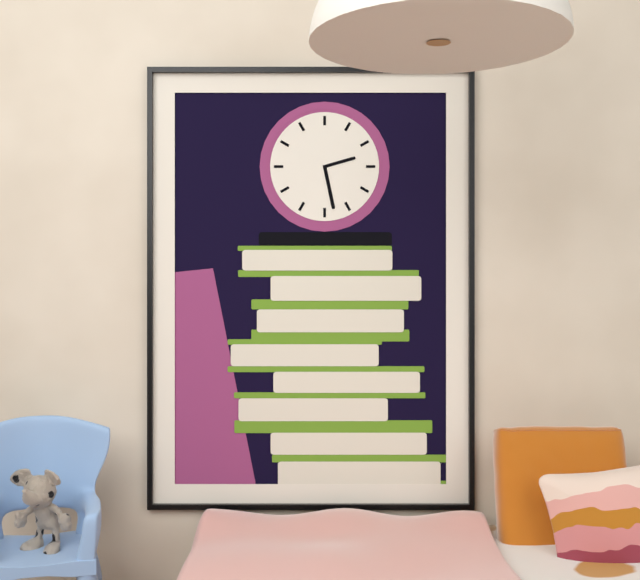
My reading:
2 h 28 min
